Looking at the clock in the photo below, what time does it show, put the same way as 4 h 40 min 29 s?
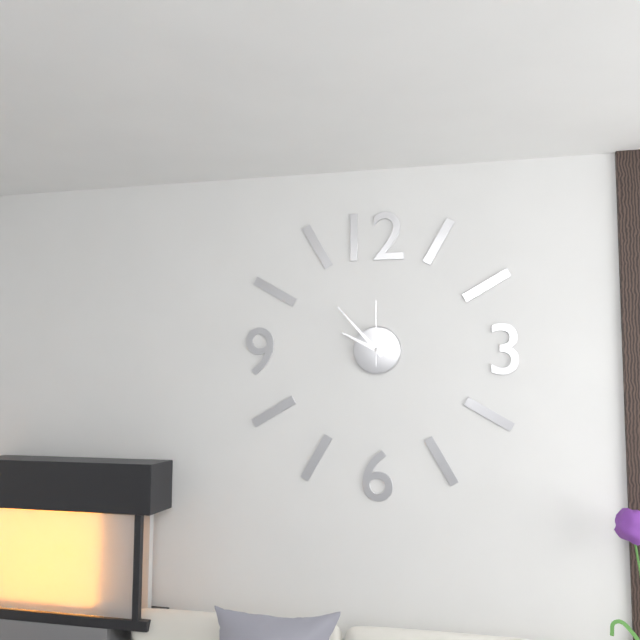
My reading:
9 h 53 min 00 s
